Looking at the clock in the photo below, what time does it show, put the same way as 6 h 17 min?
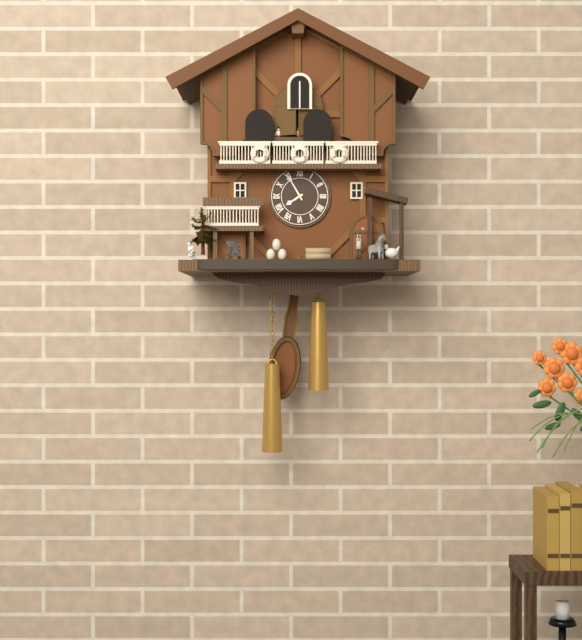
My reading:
7 h 55 min
